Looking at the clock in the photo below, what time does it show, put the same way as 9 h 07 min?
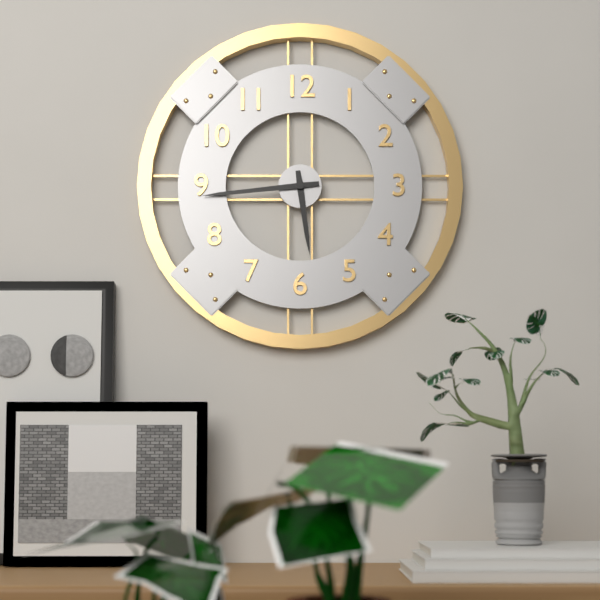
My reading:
5 h 44 min
